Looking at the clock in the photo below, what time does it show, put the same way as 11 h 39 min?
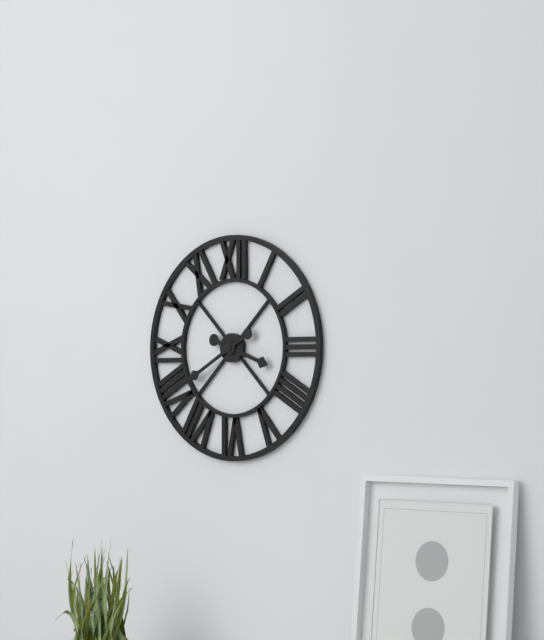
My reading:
3 h 40 min
